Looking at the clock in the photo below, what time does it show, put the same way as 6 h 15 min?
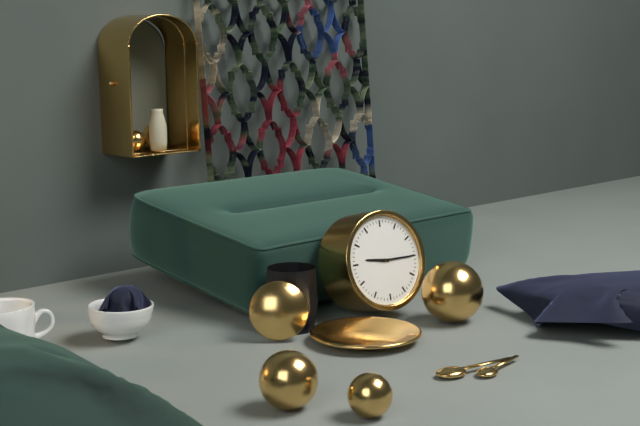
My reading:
9 h 15 min
